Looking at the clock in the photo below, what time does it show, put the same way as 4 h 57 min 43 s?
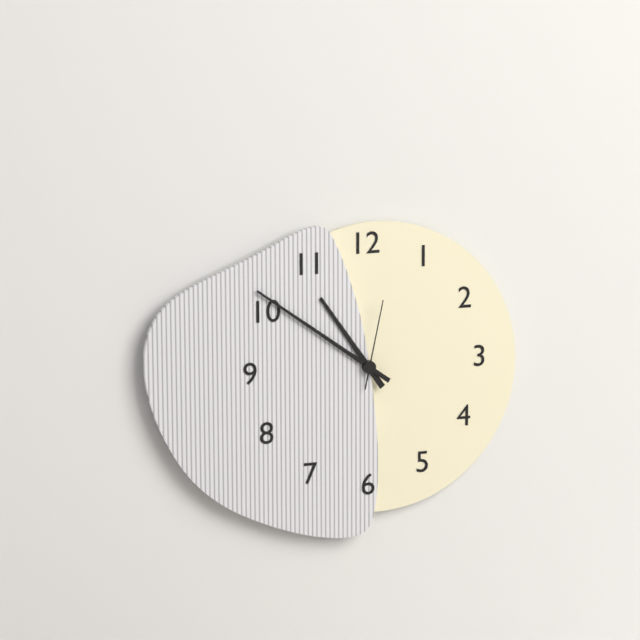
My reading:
10 h 51 min 02 s
